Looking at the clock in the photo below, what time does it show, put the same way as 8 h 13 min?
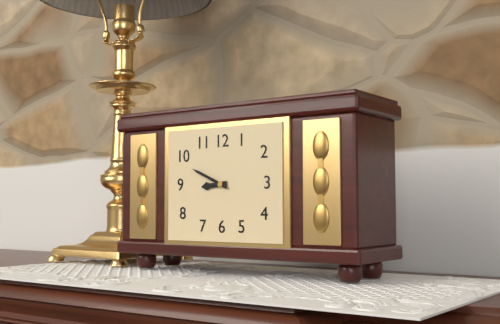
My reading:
8 h 49 min
